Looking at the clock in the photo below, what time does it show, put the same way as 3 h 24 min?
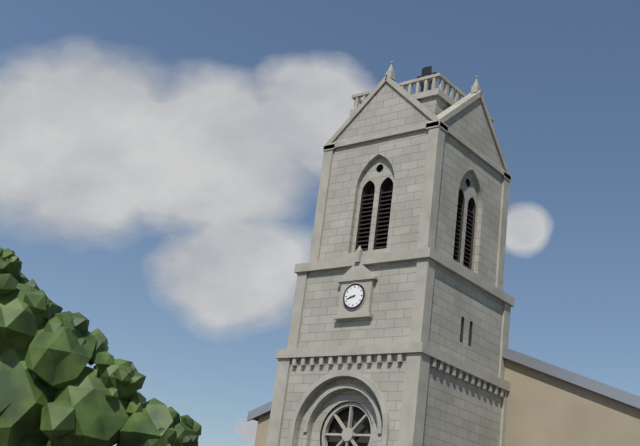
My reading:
8 h 42 min
